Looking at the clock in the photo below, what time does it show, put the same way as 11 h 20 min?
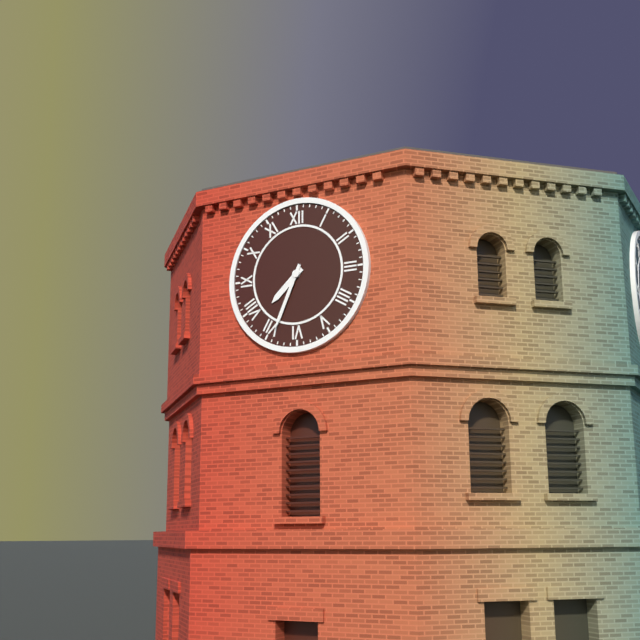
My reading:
7 h 34 min
